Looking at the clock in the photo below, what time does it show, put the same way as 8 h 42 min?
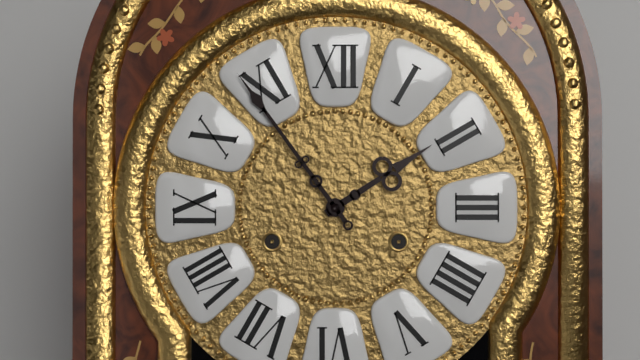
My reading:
1 h 54 min
